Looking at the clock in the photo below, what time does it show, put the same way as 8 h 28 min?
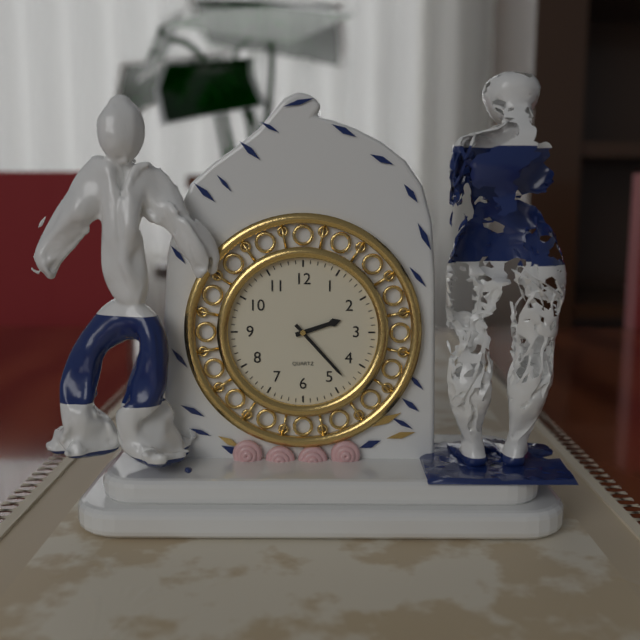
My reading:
2 h 23 min
